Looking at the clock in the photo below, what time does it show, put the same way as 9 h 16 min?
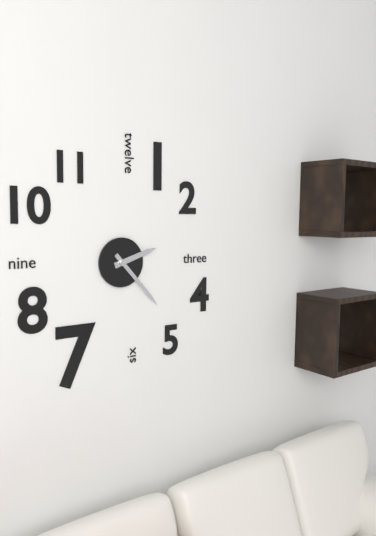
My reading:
2 h 23 min
